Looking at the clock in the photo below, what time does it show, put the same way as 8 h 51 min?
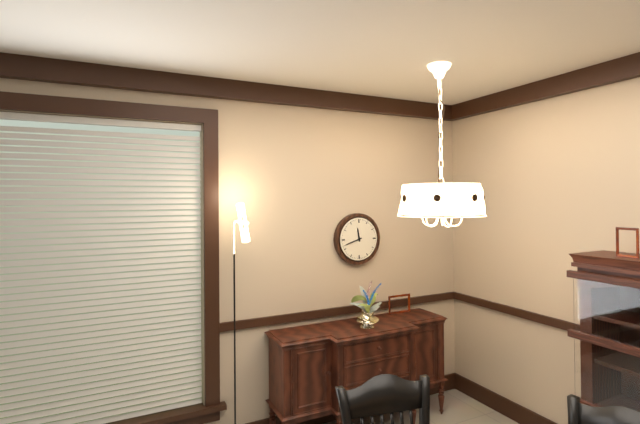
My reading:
11 h 42 min
